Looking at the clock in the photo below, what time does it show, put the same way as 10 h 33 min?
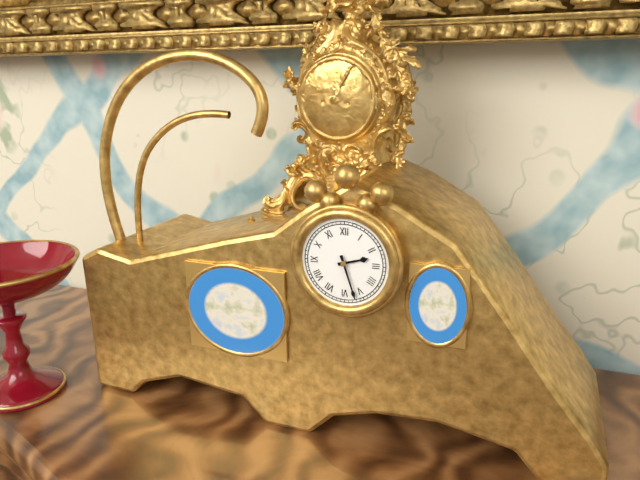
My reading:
2 h 27 min
